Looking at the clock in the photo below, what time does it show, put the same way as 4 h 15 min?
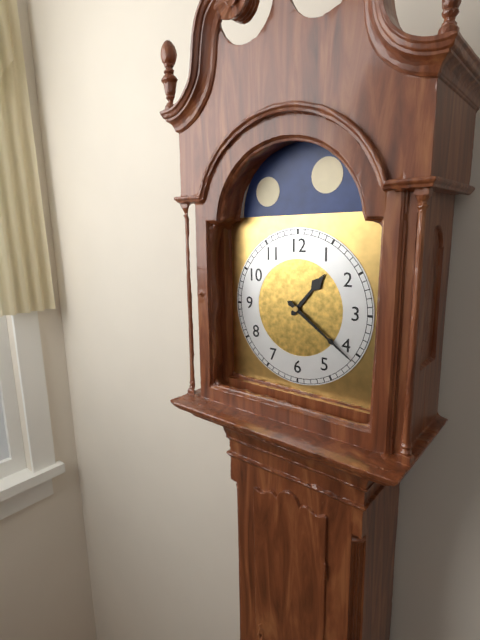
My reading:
1 h 21 min
